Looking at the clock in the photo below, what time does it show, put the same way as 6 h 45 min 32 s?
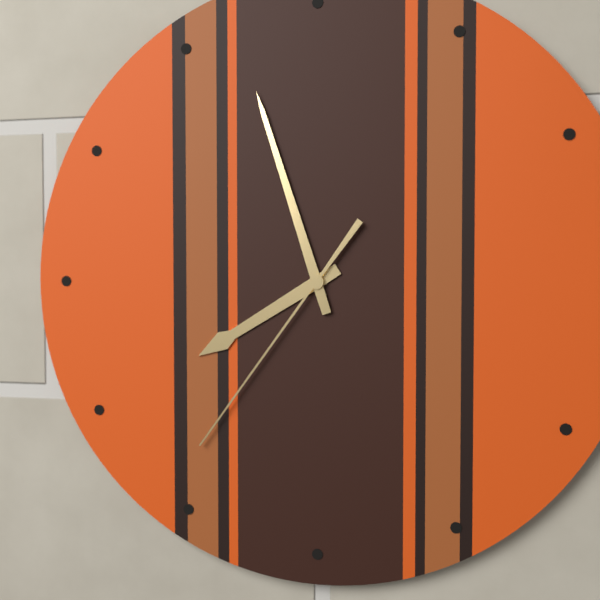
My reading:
7 h 57 min 36 s
